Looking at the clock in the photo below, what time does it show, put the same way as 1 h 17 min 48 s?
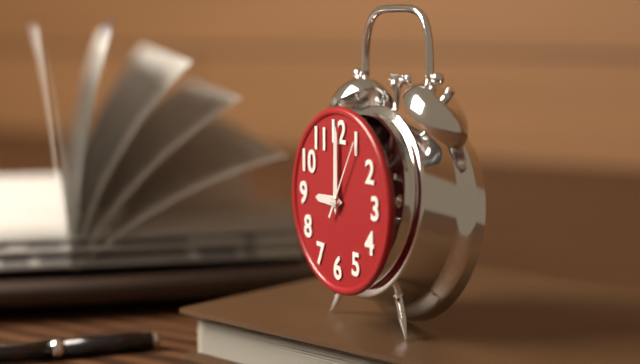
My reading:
9 h 00 min 05 s
